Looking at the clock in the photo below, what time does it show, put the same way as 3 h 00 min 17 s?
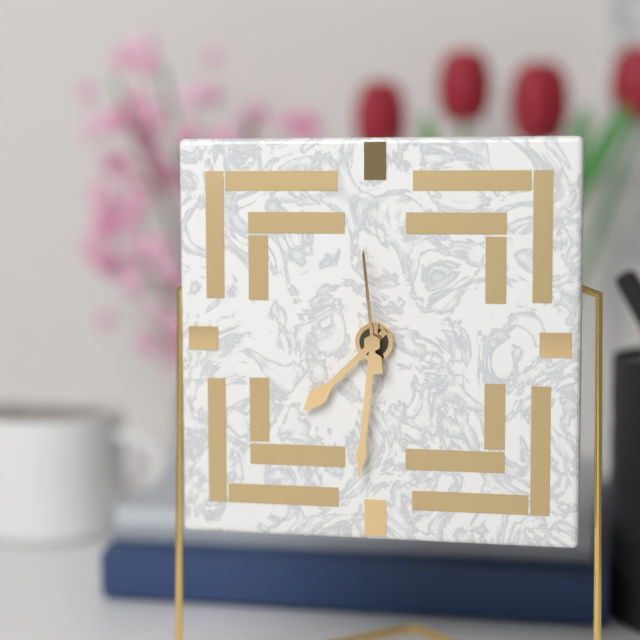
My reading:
7 h 31 min 59 s
